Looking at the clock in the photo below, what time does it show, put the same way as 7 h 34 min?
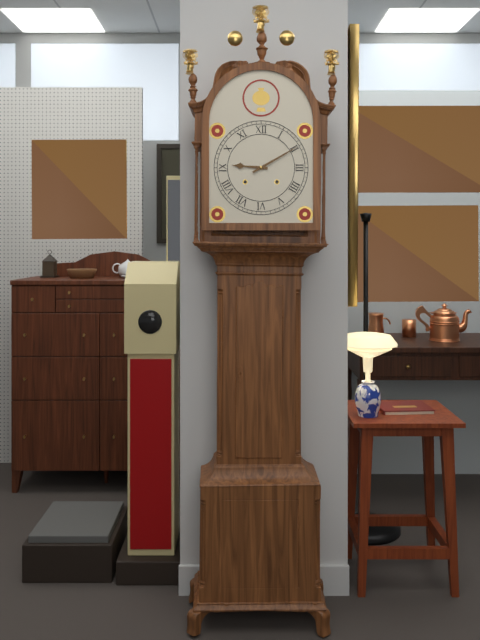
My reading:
9 h 10 min
